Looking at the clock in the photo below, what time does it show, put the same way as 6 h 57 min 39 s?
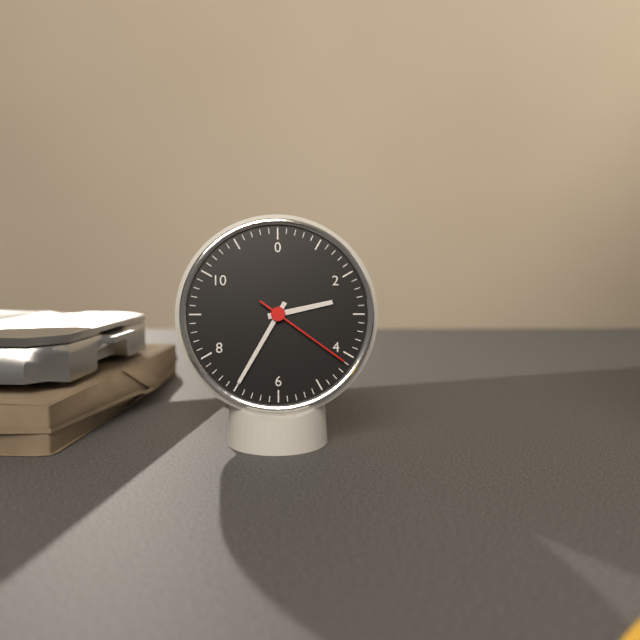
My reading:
2 h 35 min 21 s
